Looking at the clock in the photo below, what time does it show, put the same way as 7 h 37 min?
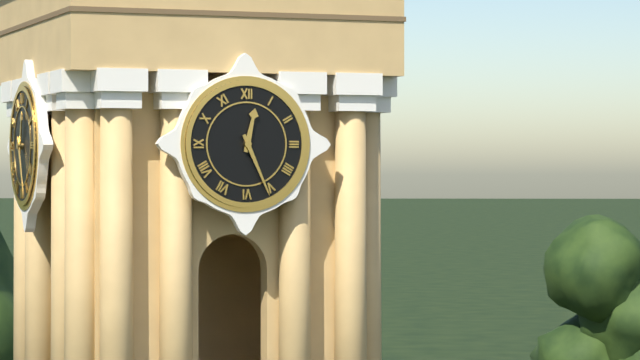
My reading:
12 h 26 min
